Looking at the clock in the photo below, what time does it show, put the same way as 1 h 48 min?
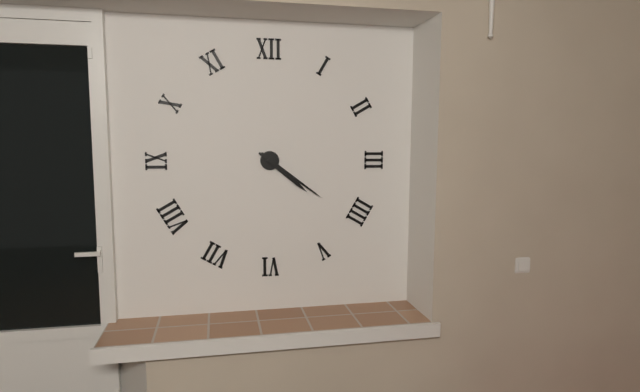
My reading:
4 h 21 min
